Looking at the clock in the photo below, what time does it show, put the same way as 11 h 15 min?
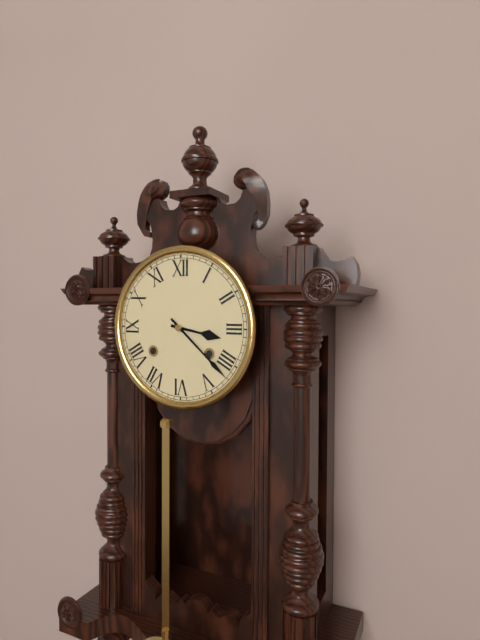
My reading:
3 h 22 min
